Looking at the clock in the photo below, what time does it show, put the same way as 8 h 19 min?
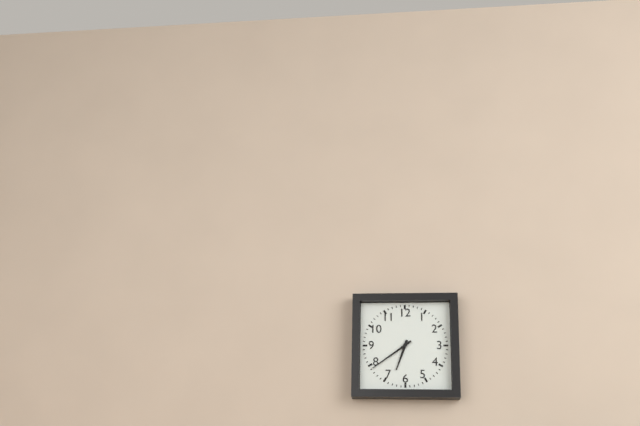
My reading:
6 h 39 min
